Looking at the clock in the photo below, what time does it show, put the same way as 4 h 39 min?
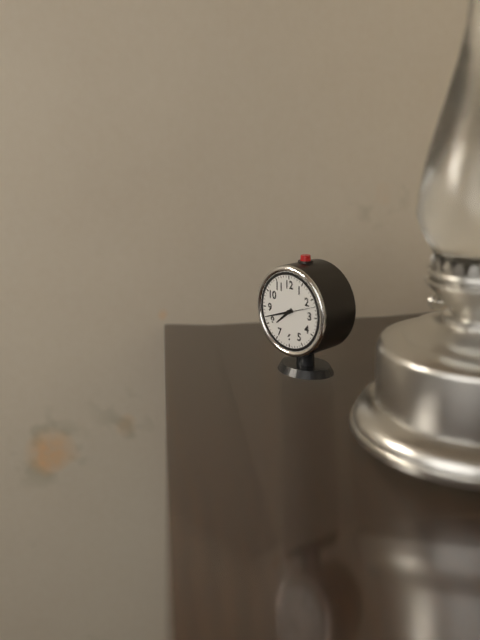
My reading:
7 h 42 min
